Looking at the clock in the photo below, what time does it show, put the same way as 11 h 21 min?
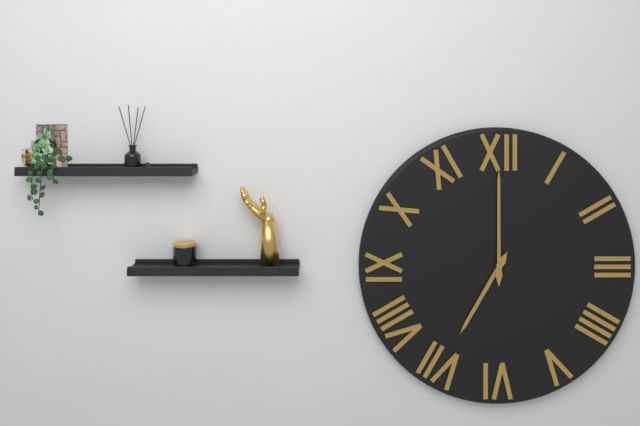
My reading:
7 h 00 min
